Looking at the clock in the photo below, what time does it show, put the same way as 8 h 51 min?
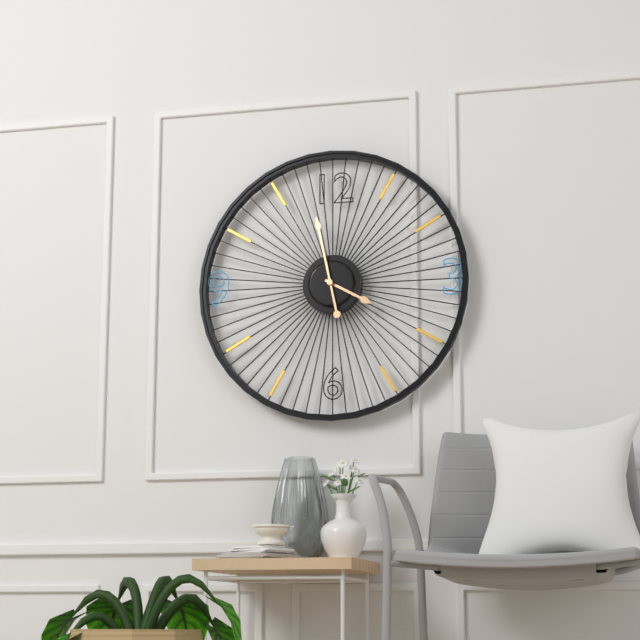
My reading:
3 h 58 min
